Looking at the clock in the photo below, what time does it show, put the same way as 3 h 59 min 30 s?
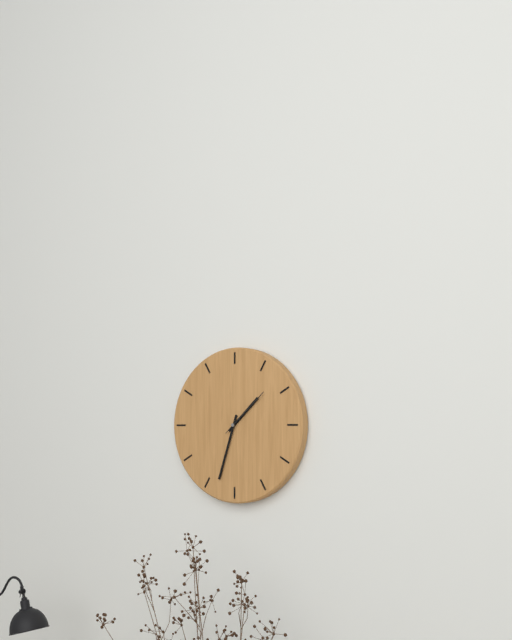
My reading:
1 h 33 min 08 s
